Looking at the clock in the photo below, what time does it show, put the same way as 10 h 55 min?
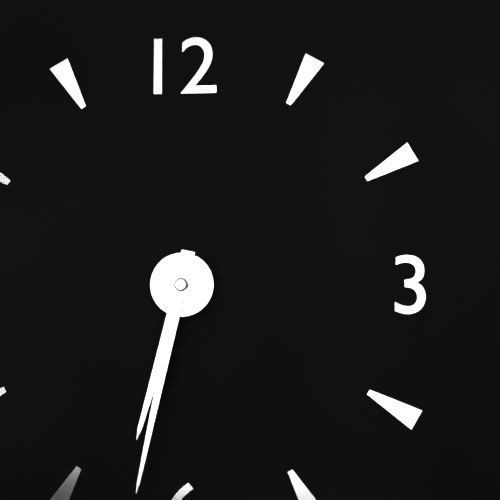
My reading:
6 h 32 min
